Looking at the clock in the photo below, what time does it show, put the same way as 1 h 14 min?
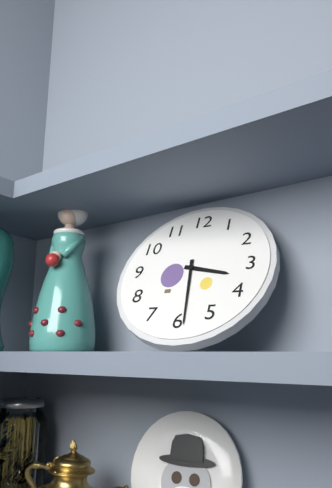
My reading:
3 h 29 min
